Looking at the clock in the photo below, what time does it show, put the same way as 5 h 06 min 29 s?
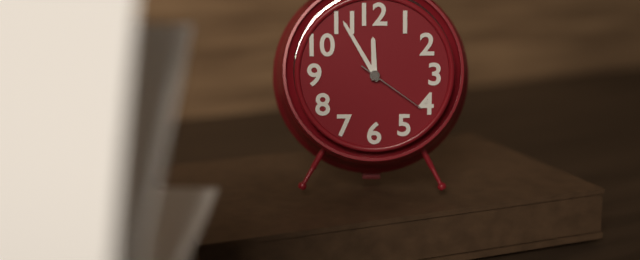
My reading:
11 h 55 min 21 s
